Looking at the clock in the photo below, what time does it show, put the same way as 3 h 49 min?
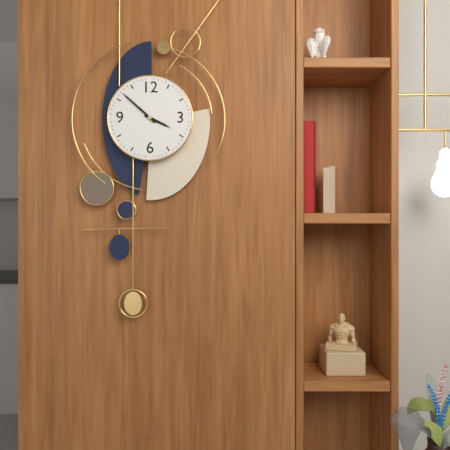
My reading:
3 h 52 min
